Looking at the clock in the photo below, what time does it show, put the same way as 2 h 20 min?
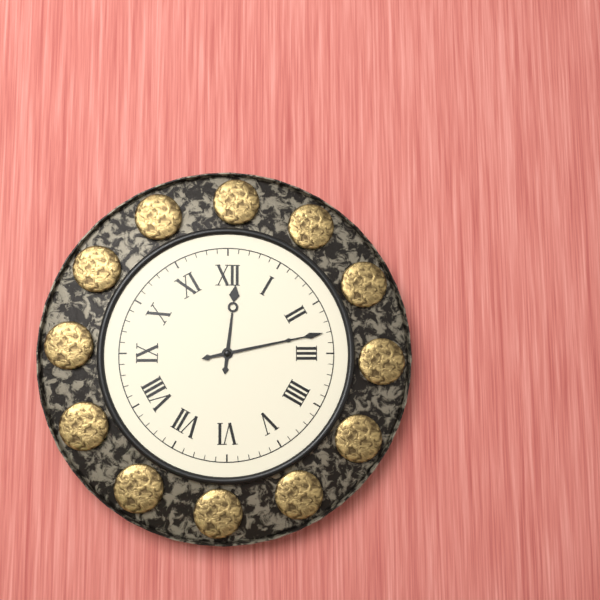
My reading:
12 h 13 min
